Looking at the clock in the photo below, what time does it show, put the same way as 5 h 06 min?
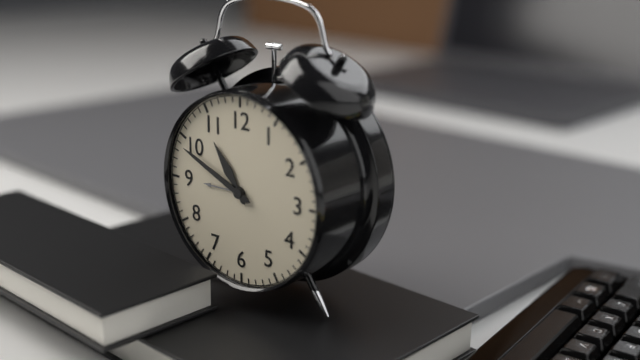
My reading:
10 h 49 min
